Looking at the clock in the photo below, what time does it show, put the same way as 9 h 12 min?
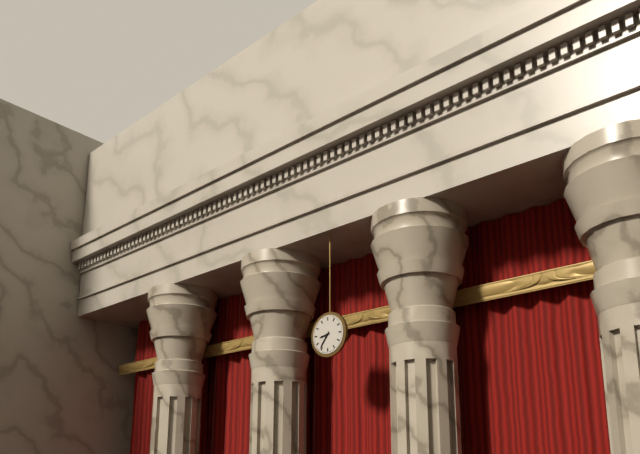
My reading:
8 h 36 min
